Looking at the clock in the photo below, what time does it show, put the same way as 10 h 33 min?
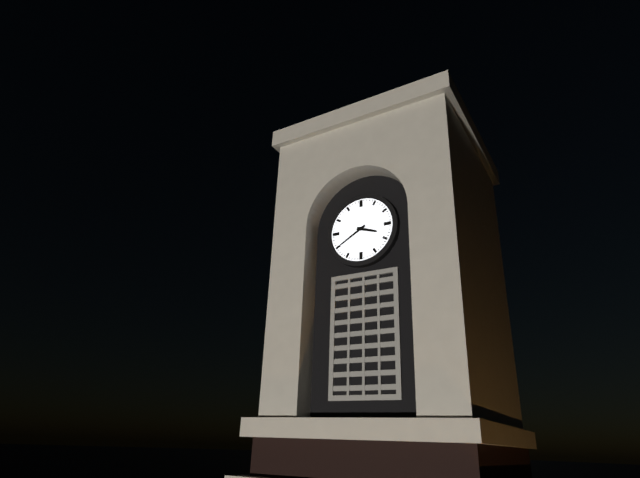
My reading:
3 h 40 min
